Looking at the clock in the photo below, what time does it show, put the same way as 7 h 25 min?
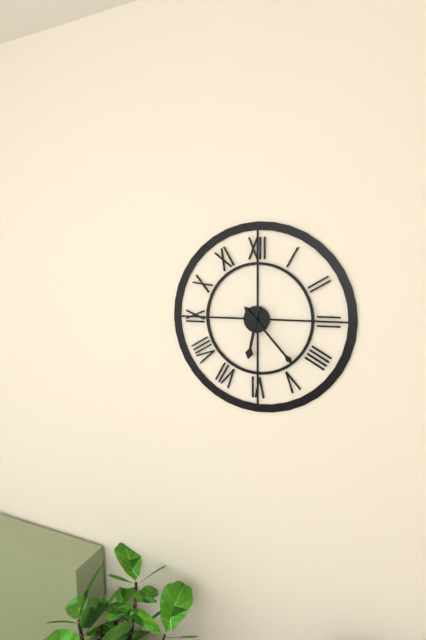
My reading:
6 h 23 min
